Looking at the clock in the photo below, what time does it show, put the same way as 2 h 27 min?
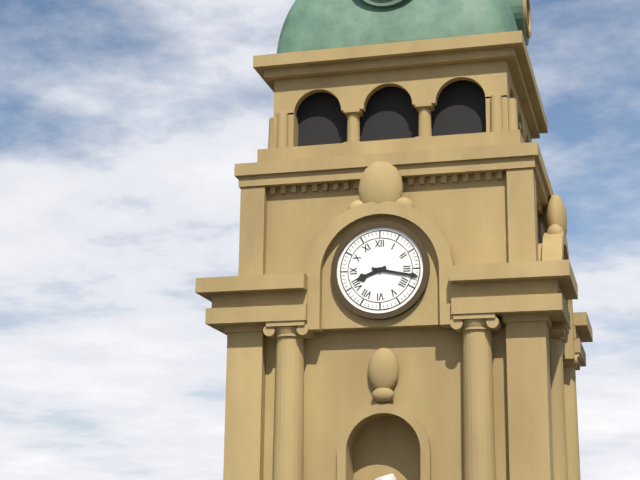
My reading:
8 h 17 min
